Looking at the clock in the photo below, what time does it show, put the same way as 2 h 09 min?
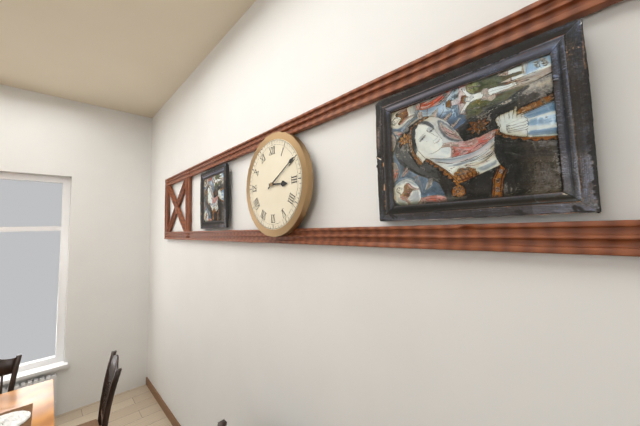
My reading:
3 h 10 min
